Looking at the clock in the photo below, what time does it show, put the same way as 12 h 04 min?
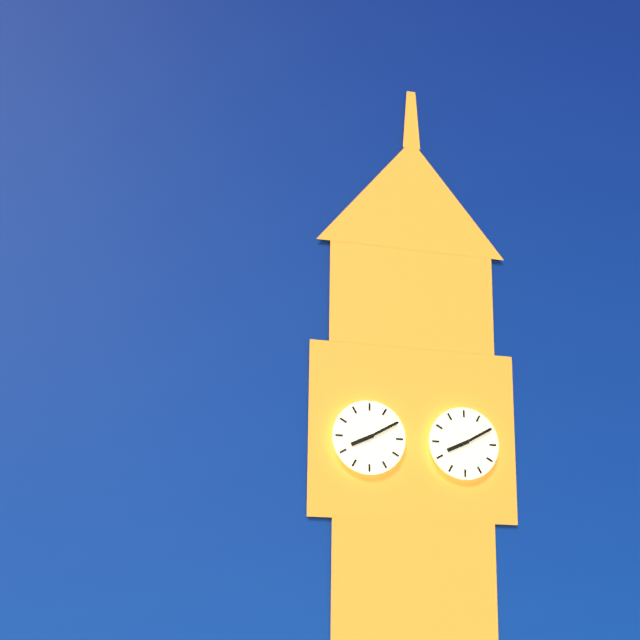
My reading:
8 h 10 min
